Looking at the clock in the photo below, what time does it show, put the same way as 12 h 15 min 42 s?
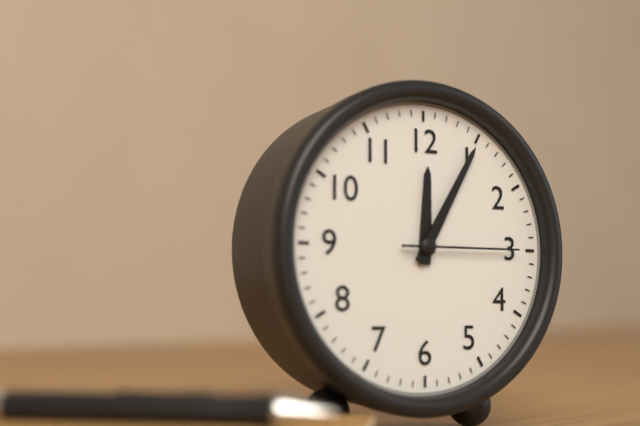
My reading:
12 h 05 min 15 s
